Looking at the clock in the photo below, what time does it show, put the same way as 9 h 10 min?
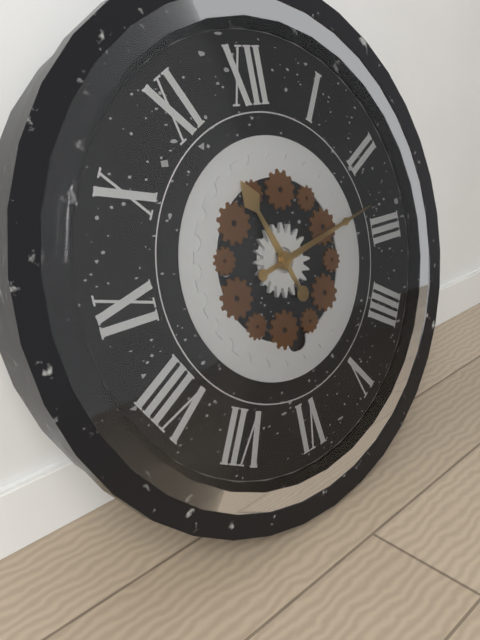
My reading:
11 h 13 min
